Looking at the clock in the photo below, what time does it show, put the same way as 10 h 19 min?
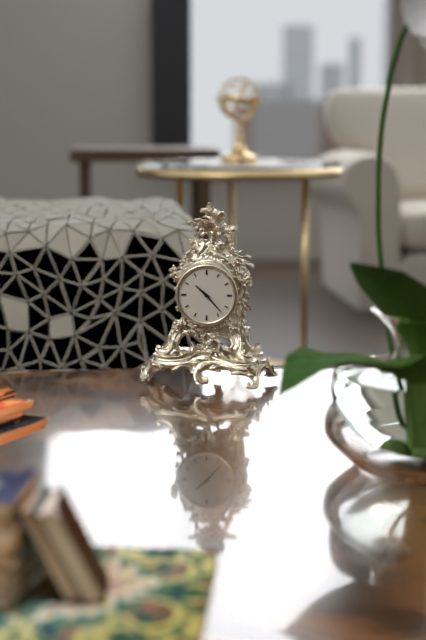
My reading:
10 h 23 min
